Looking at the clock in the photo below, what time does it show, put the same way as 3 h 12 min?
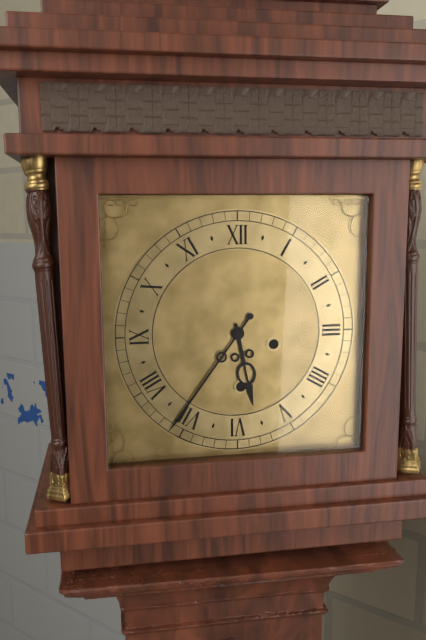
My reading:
5 h 36 min
